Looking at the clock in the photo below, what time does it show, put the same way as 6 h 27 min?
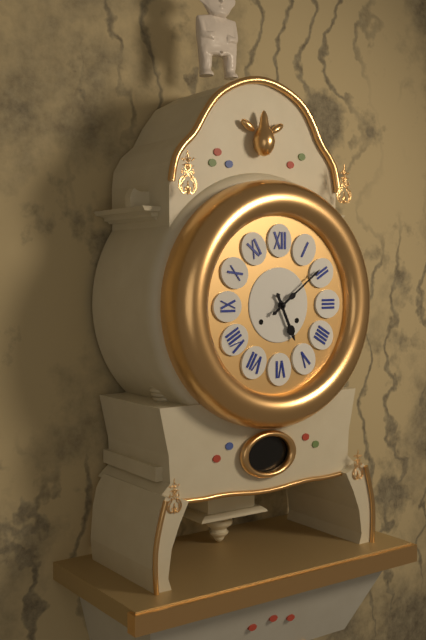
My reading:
5 h 09 min
